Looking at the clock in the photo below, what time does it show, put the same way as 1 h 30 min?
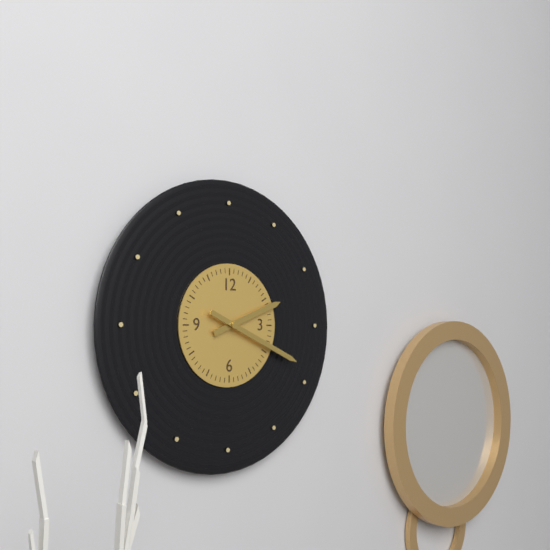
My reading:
2 h 19 min
